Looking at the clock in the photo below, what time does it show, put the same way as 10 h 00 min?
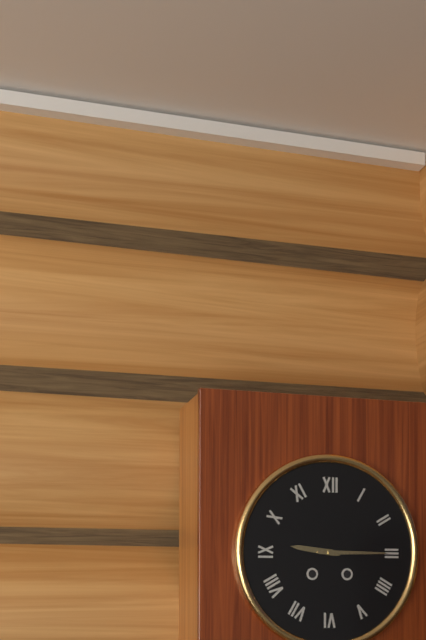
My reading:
9 h 15 min
